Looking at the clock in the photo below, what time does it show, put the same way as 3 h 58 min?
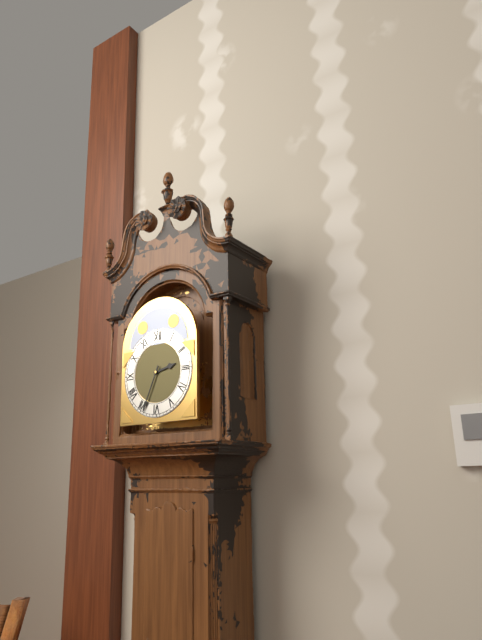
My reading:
2 h 34 min
